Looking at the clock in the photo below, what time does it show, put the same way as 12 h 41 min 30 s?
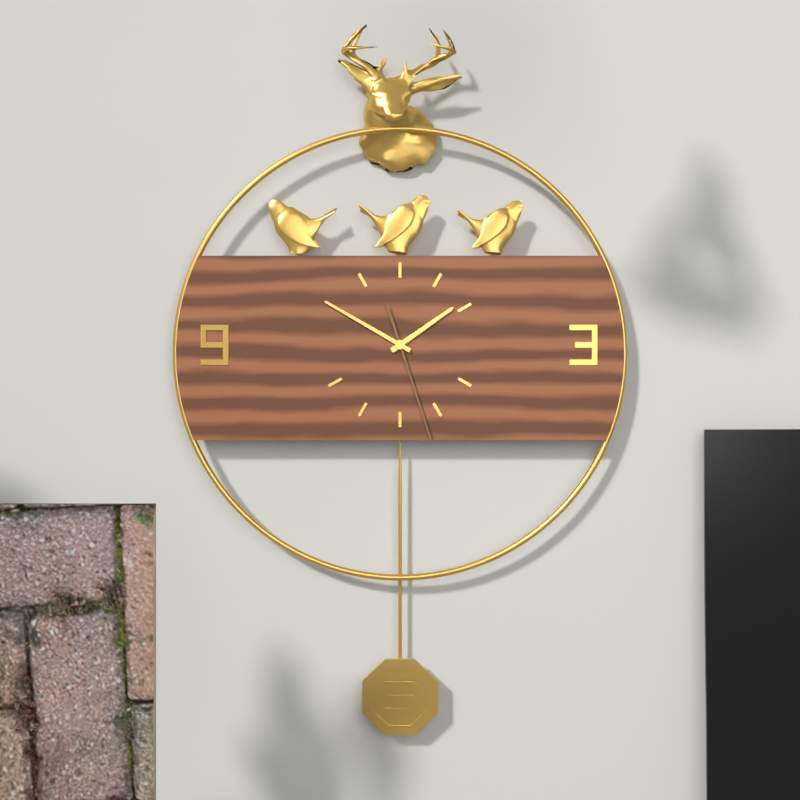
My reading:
1 h 50 min 27 s
